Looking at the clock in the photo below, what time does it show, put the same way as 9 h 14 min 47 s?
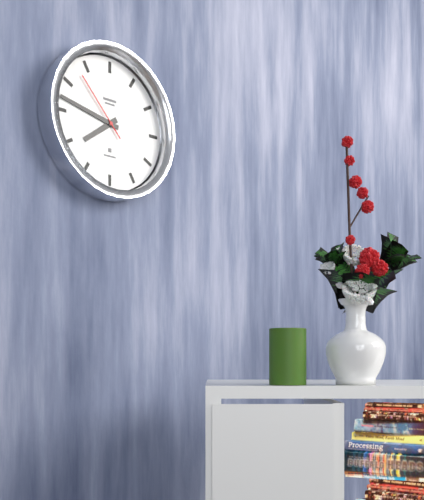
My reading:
7 h 47 min 53 s
